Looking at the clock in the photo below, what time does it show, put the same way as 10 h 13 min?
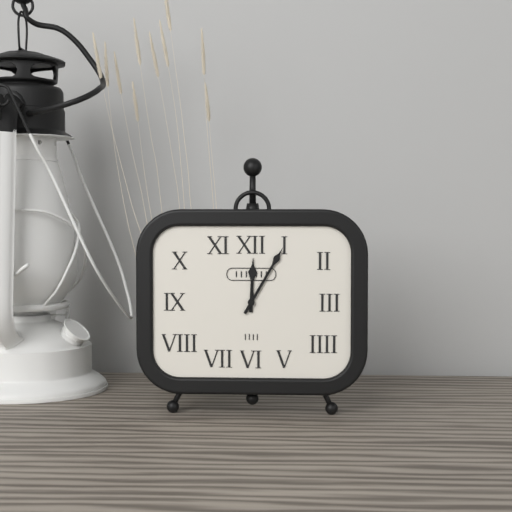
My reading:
12 h 05 min
